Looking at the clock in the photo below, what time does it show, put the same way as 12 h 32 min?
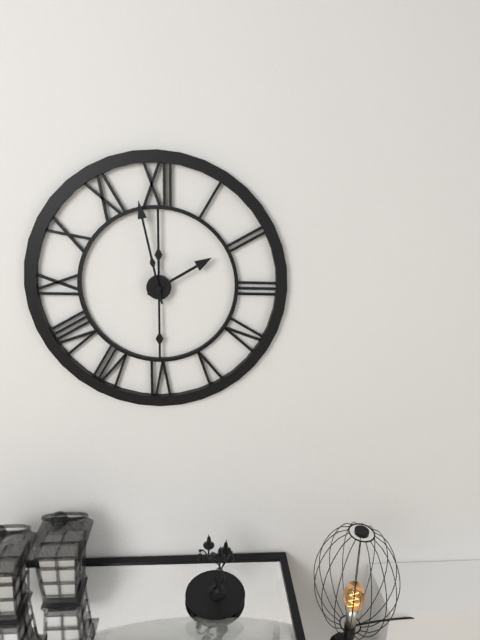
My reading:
1 h 58 min
